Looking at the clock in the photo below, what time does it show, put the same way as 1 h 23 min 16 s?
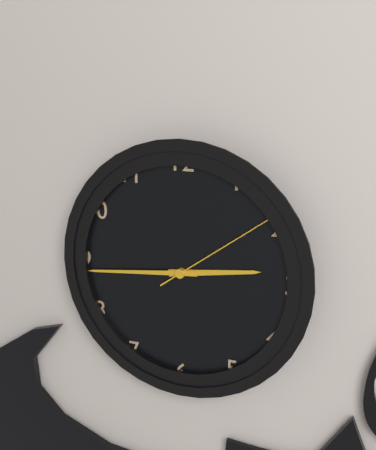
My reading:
2 h 44 min 09 s
